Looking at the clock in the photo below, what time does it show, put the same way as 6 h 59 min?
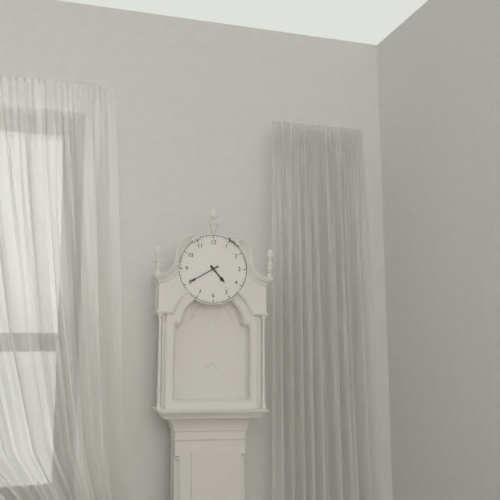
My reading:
4 h 40 min
